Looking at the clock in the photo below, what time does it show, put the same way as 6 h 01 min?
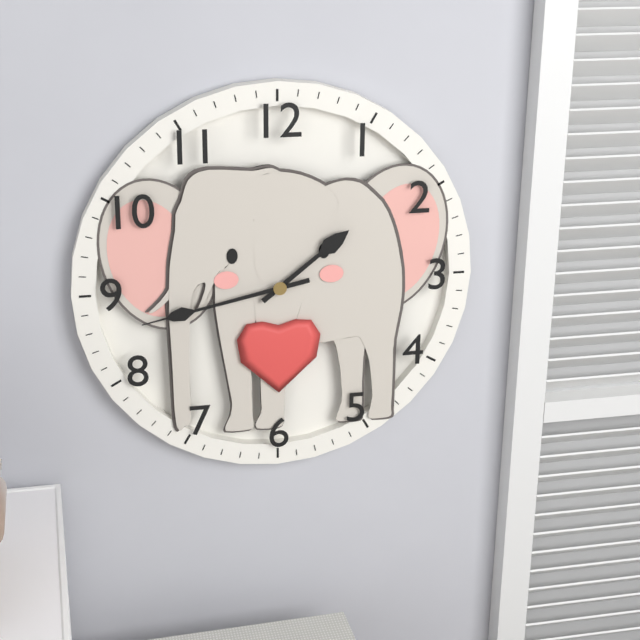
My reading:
1 h 43 min
